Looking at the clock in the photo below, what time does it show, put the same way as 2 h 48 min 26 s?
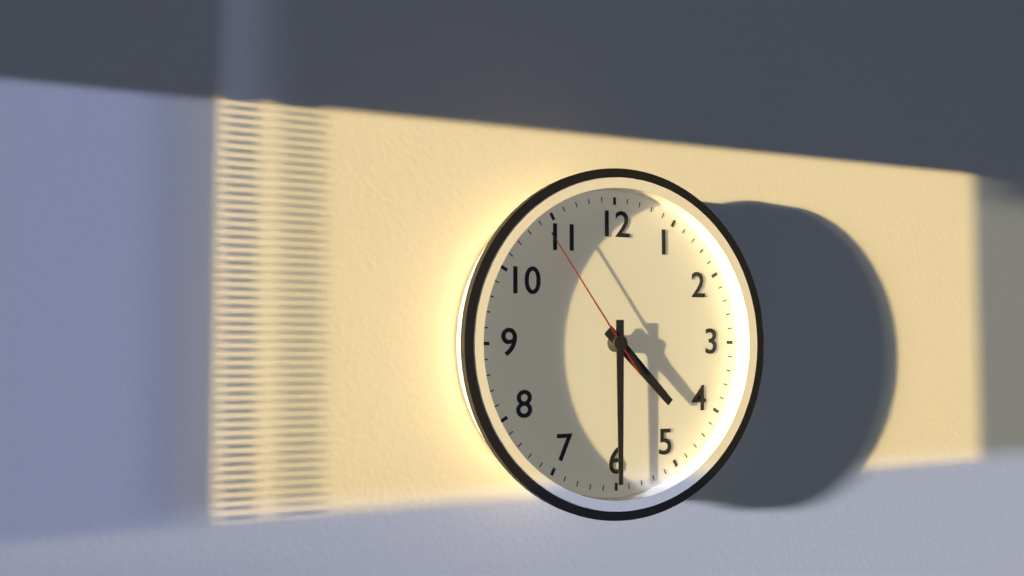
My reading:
4 h 30 min 54 s
